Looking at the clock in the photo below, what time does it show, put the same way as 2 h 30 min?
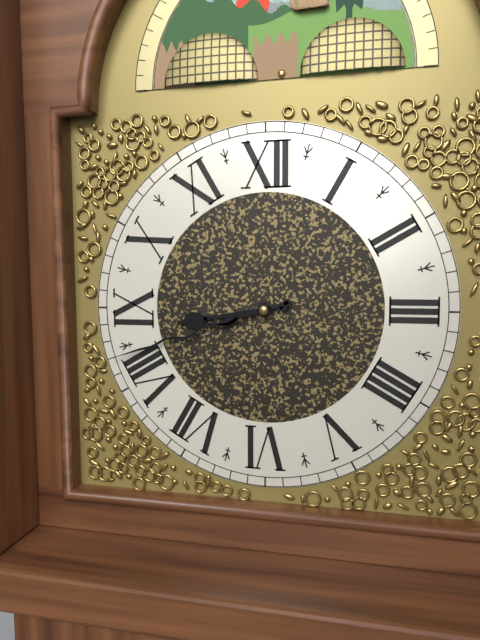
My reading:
8 h 42 min
